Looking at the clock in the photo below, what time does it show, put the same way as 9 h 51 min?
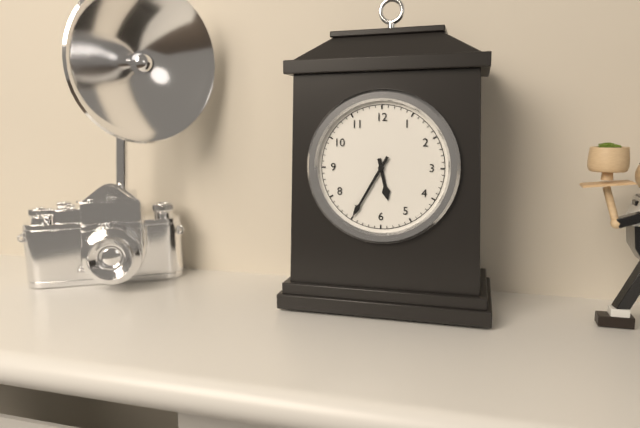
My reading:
5 h 35 min
